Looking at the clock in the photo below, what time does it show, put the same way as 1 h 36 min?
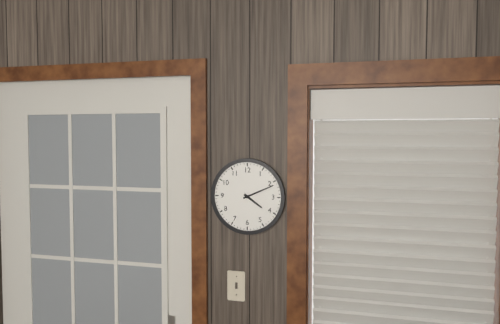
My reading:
4 h 11 min
